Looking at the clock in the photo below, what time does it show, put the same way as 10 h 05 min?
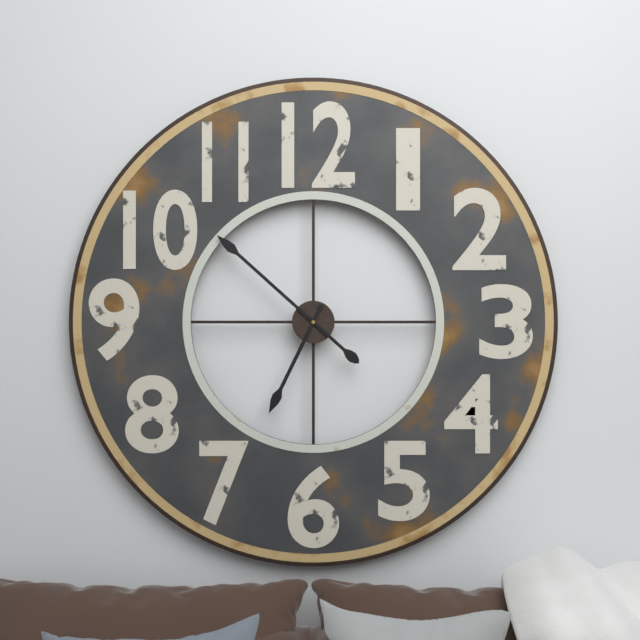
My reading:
6 h 52 min
